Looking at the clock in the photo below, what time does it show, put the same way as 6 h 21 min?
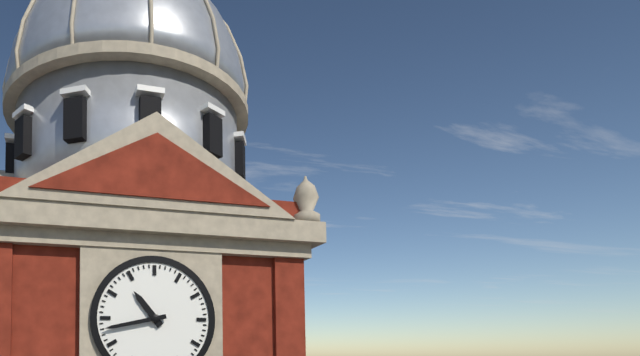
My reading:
10 h 43 min
